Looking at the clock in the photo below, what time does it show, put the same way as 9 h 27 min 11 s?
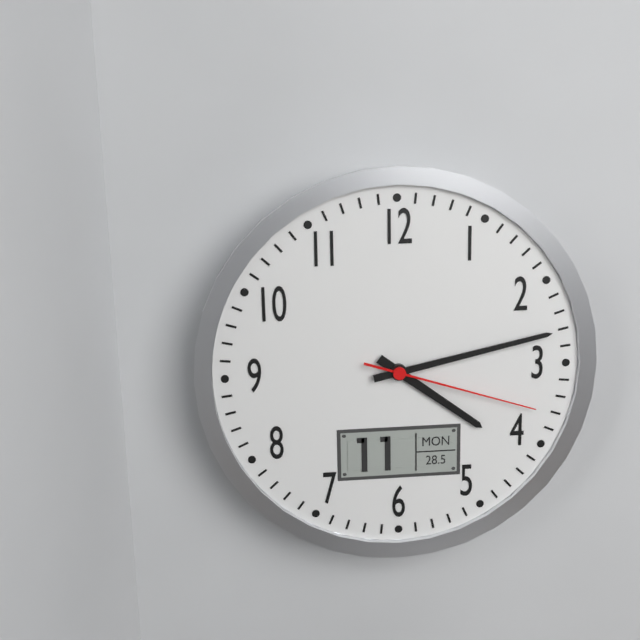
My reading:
4 h 13 min 18 s
